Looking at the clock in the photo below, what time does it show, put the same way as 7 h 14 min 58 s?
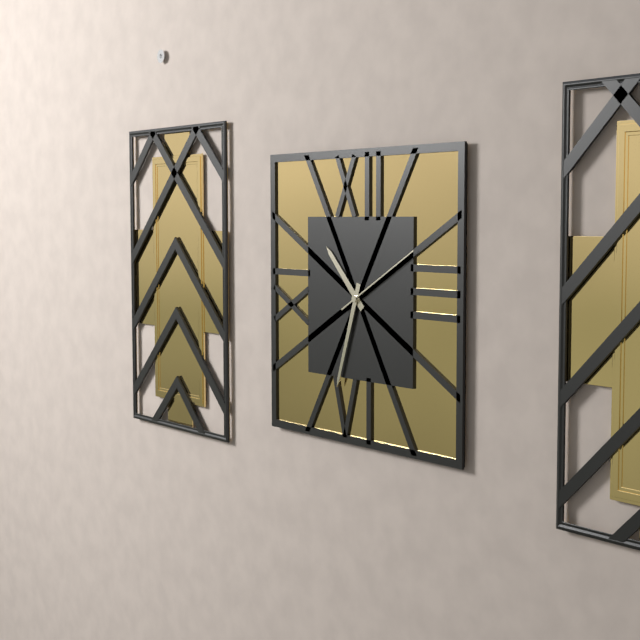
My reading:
10 h 33 min 10 s
